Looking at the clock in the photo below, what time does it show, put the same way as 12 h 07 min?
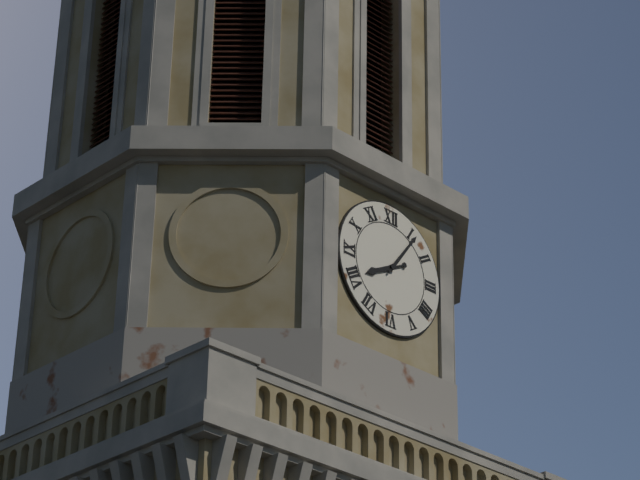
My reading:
8 h 06 min
